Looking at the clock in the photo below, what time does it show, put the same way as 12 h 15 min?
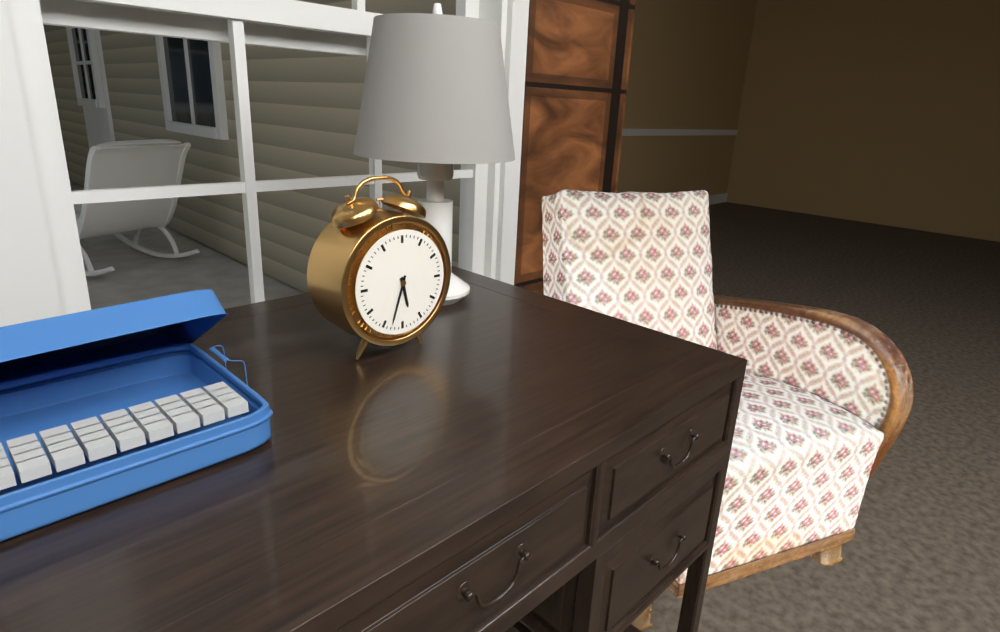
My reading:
5 h 33 min
